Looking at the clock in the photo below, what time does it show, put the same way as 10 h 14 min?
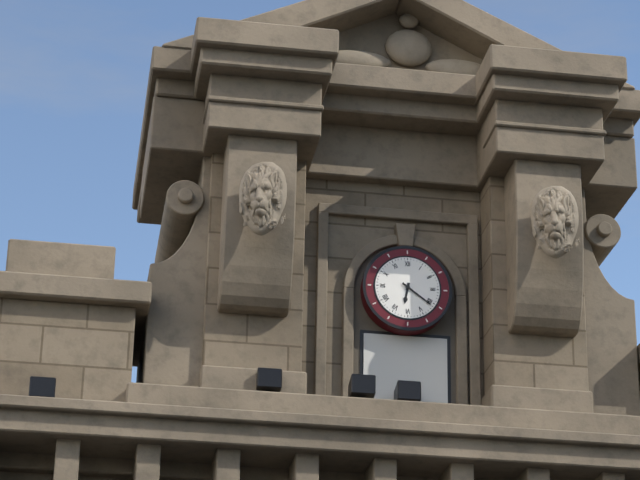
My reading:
6 h 21 min
